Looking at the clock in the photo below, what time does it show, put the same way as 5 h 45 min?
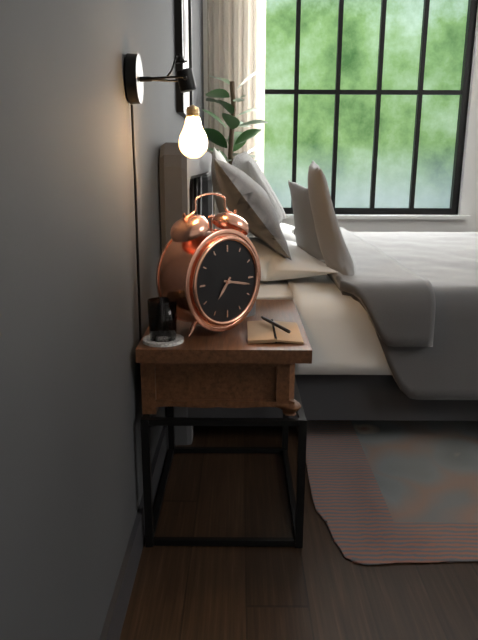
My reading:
7 h 17 min
